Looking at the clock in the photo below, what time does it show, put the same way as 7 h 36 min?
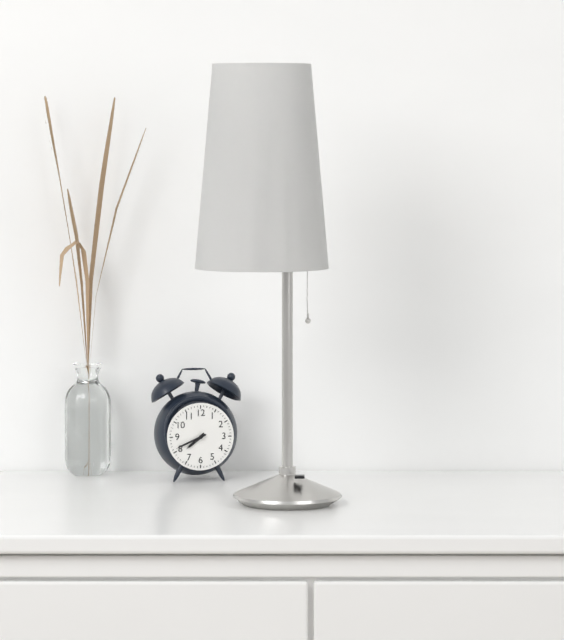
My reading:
7 h 41 min
